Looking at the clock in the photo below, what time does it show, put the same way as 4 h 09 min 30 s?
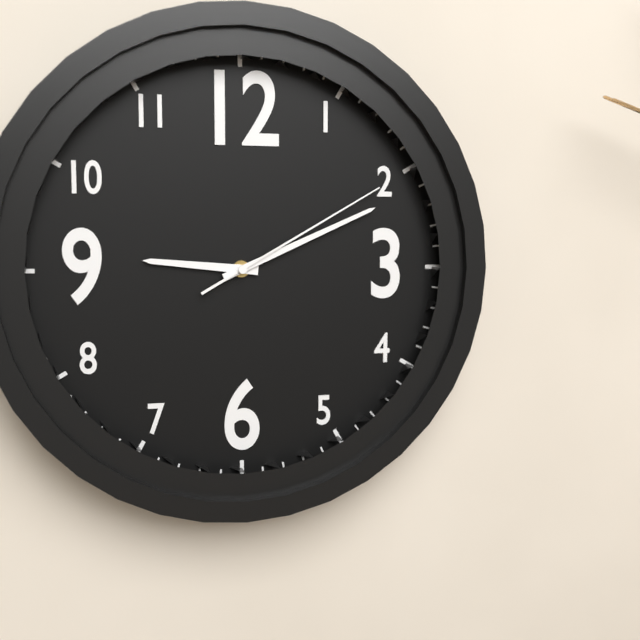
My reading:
9 h 11 min 10 s
